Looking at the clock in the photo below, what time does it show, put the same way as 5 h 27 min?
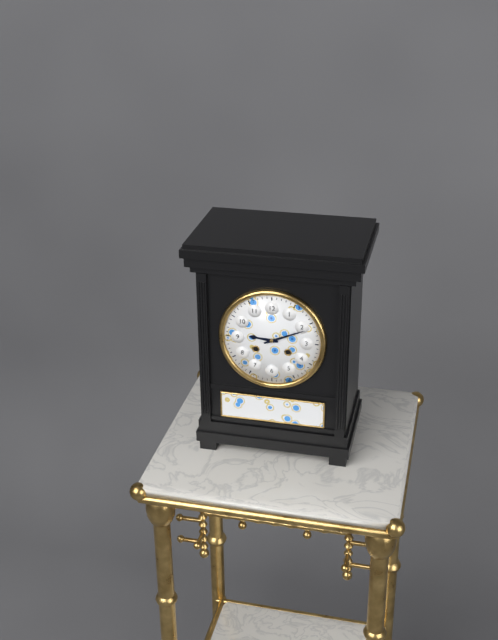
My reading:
9 h 11 min
